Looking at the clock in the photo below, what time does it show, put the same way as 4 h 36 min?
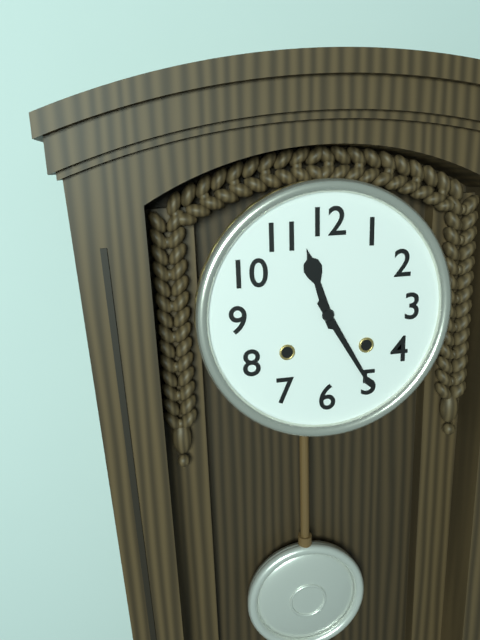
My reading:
11 h 25 min
